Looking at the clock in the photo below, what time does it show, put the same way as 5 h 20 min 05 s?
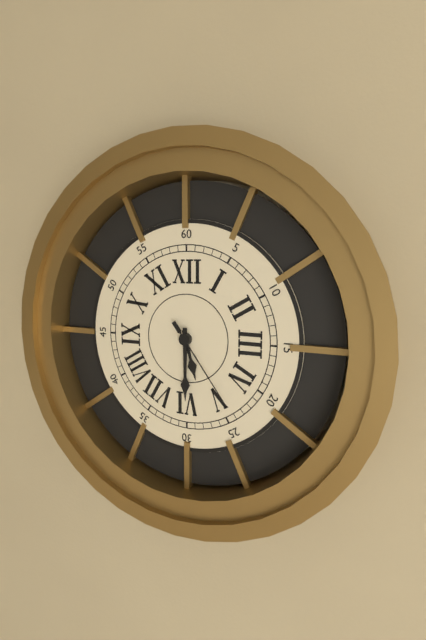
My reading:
5 h 30 min 24 s
